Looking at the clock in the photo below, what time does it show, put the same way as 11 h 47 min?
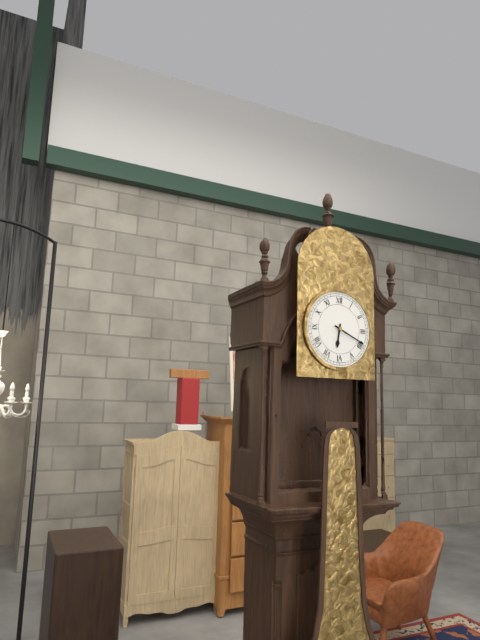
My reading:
6 h 19 min
